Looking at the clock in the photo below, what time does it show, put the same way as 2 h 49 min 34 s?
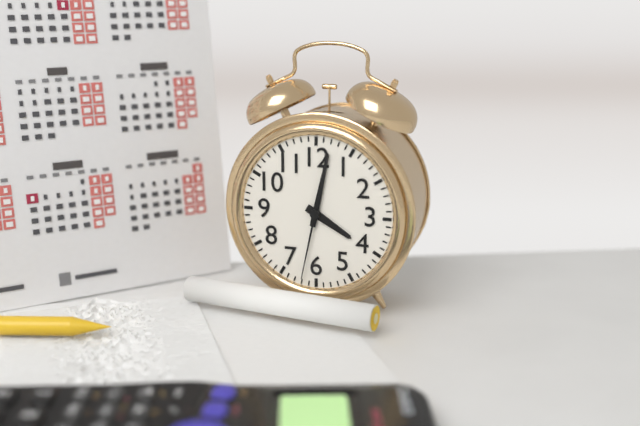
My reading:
4 h 02 min 32 s
